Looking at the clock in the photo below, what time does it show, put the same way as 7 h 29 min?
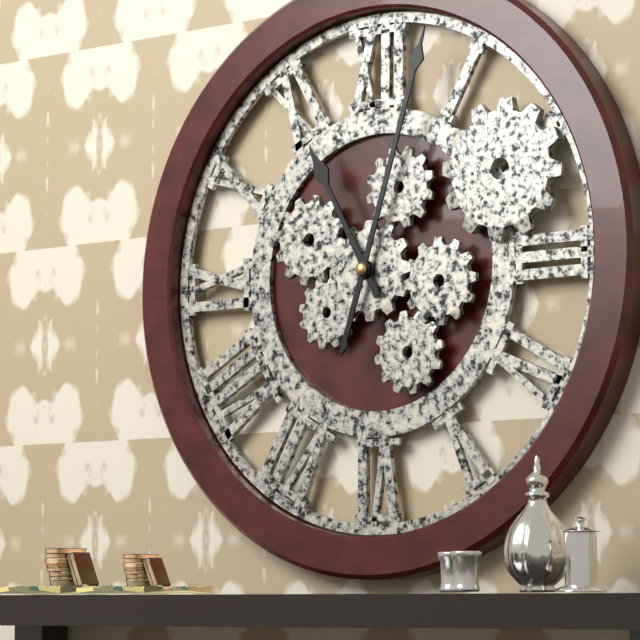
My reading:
11 h 03 min
